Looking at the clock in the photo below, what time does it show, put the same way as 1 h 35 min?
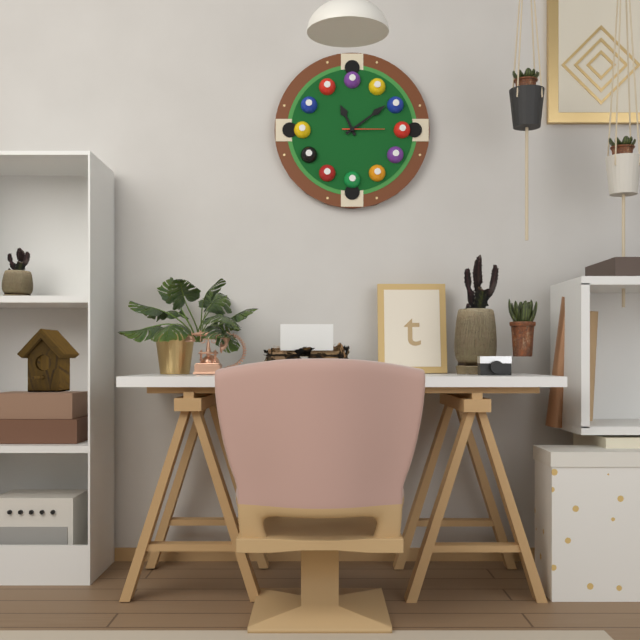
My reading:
11 h 09 min
